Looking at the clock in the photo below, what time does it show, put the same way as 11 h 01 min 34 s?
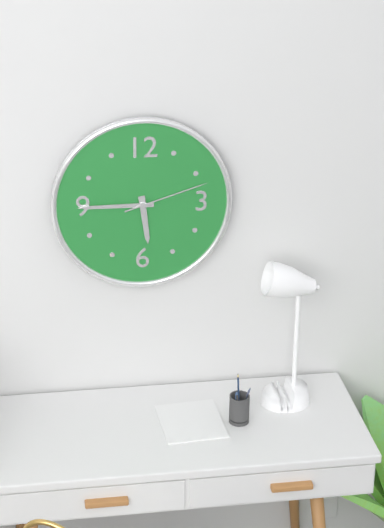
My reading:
5 h 45 min 12 s
